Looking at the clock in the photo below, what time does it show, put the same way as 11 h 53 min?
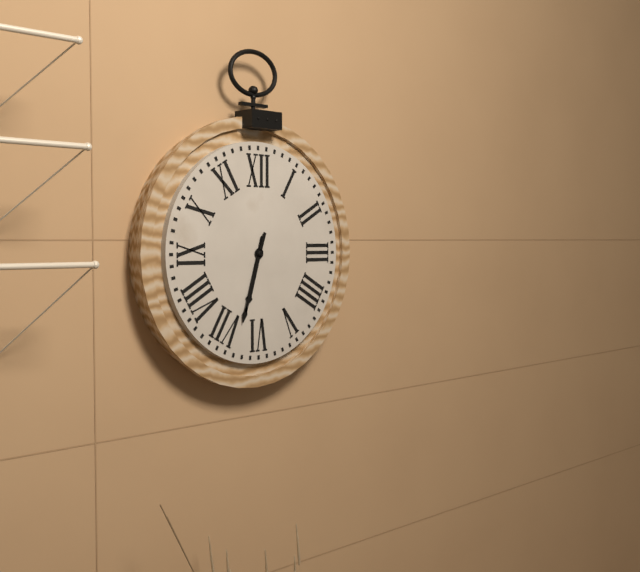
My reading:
6 h 33 min
